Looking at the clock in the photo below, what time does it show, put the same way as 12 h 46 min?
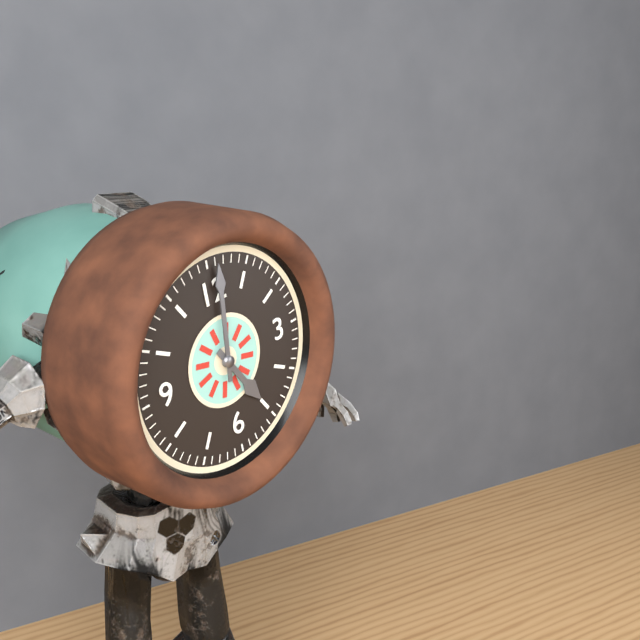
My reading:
5 h 01 min
